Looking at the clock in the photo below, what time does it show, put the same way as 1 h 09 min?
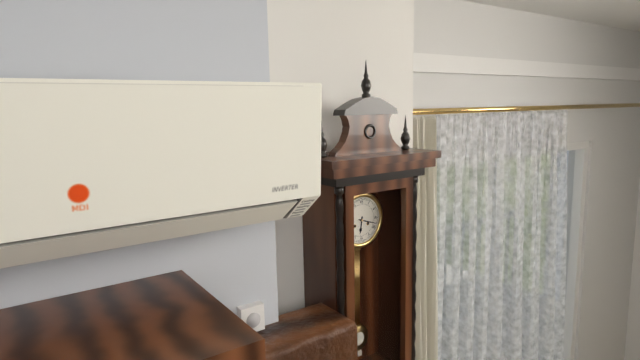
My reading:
6 h 18 min
